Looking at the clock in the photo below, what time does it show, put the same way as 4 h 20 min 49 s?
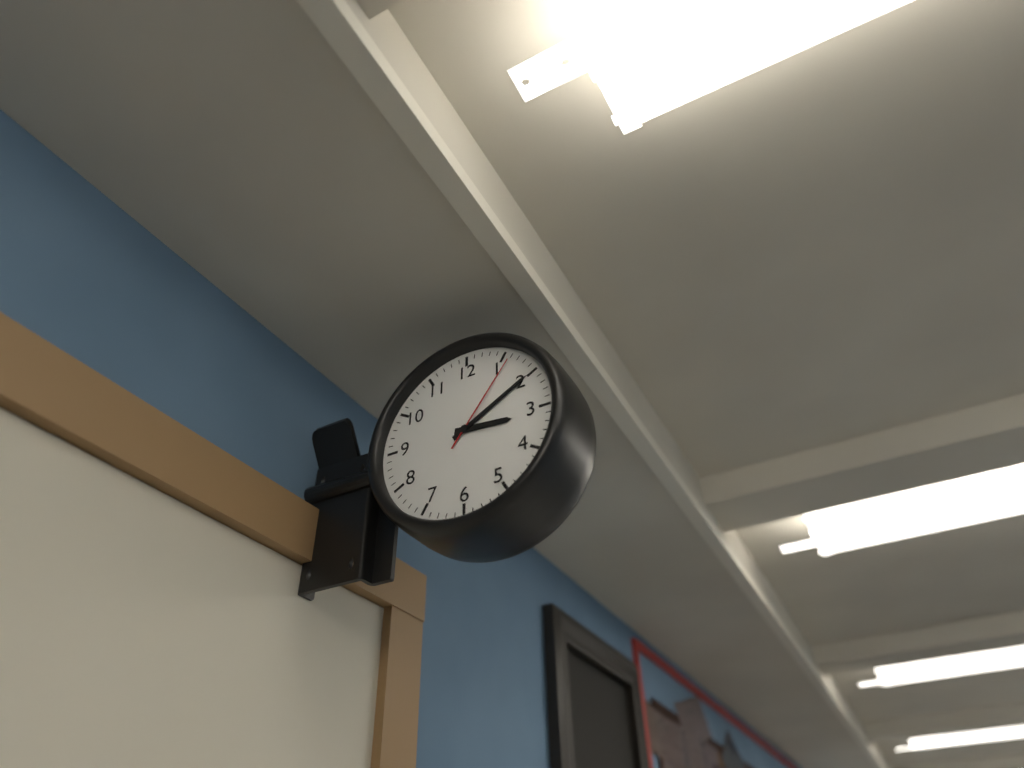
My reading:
3 h 10 min 06 s
